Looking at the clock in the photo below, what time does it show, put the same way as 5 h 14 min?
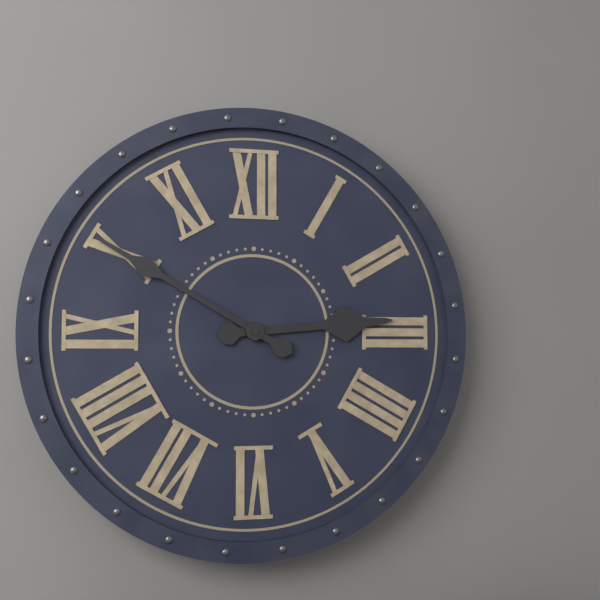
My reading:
2 h 50 min
